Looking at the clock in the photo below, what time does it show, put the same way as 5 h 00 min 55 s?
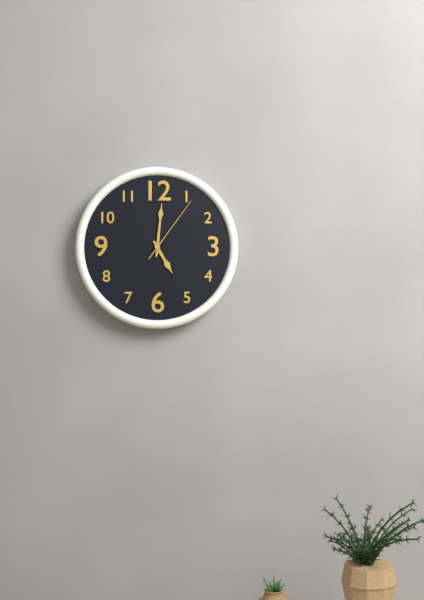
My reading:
5 h 01 min 06 s
